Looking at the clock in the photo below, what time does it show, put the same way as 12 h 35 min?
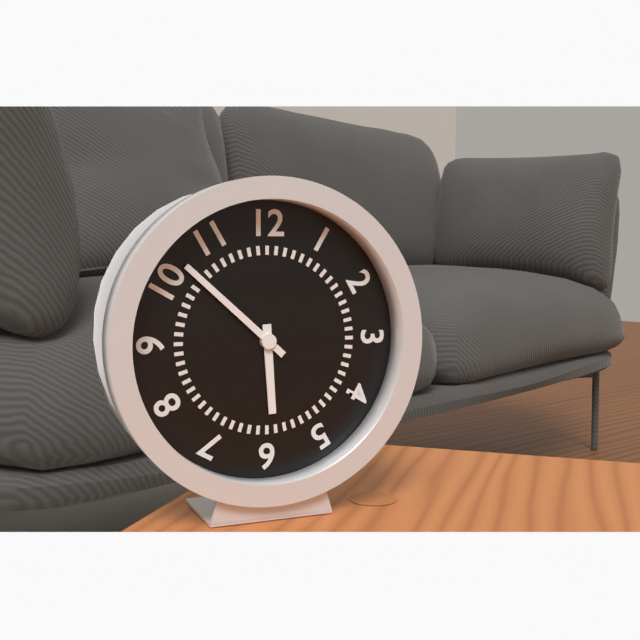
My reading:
5 h 52 min
